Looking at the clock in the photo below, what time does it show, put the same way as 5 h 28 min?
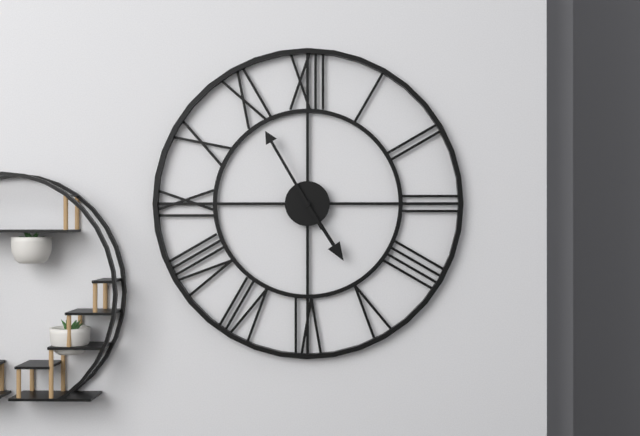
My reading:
4 h 55 min
